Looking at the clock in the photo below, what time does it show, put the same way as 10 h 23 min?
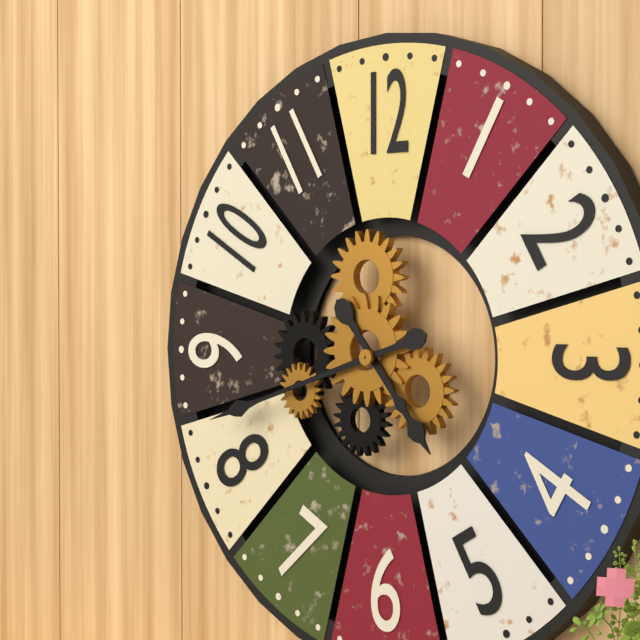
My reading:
4 h 42 min
